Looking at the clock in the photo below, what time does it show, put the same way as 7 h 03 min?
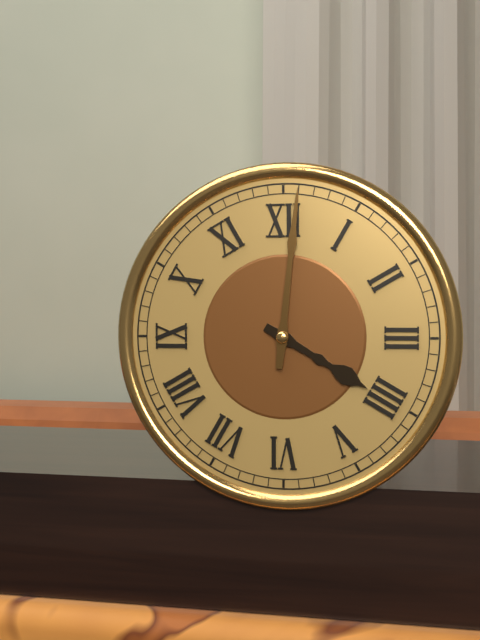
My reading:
4 h 01 min
